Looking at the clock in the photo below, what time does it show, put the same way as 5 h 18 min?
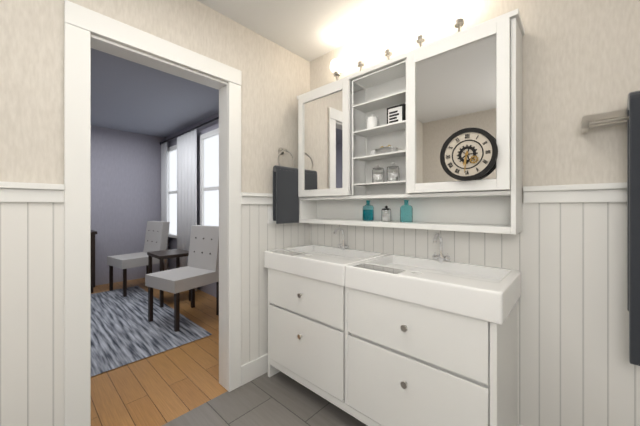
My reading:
6 h 31 min
